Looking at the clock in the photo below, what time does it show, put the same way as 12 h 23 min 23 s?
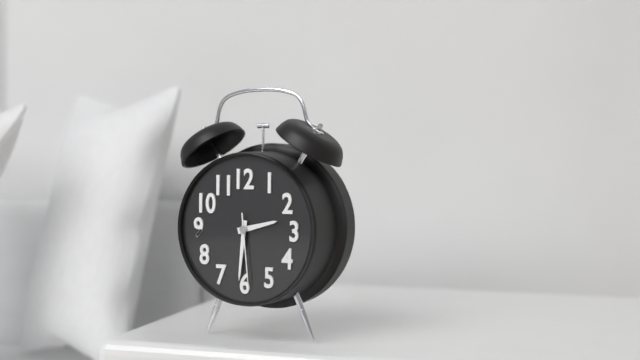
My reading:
2 h 31 min 29 s
